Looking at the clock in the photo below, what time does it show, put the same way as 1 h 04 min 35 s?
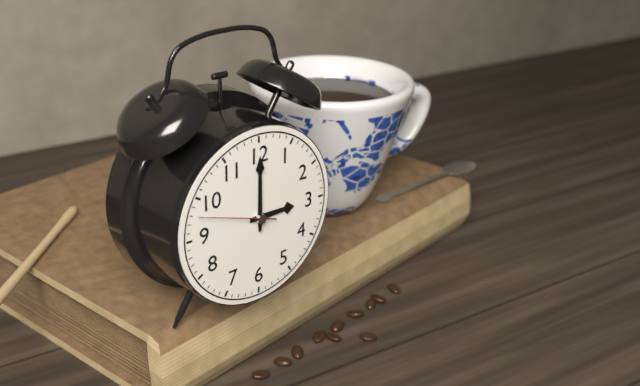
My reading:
3 h 00 min 48 s
